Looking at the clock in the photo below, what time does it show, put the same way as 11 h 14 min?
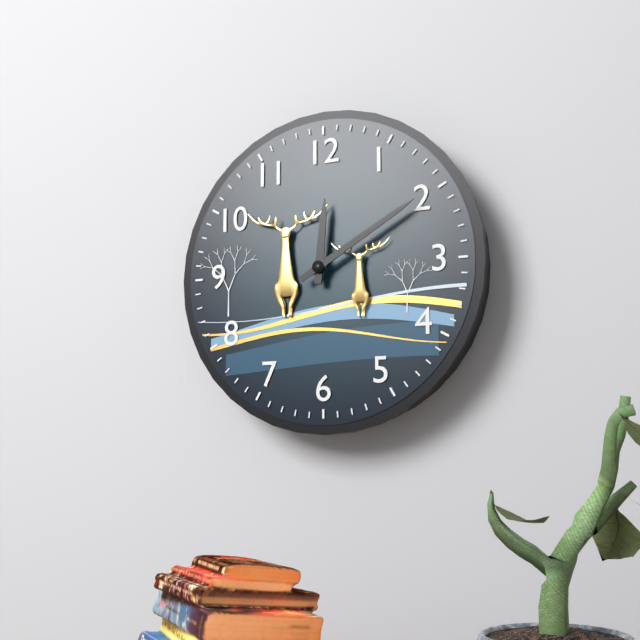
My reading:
12 h 10 min
